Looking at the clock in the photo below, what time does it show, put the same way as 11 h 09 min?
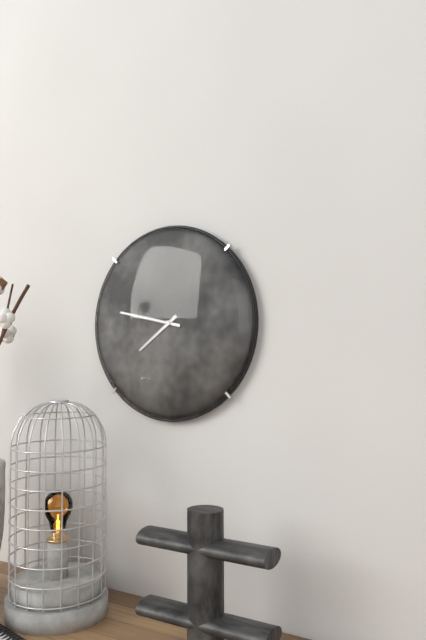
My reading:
7 h 47 min
